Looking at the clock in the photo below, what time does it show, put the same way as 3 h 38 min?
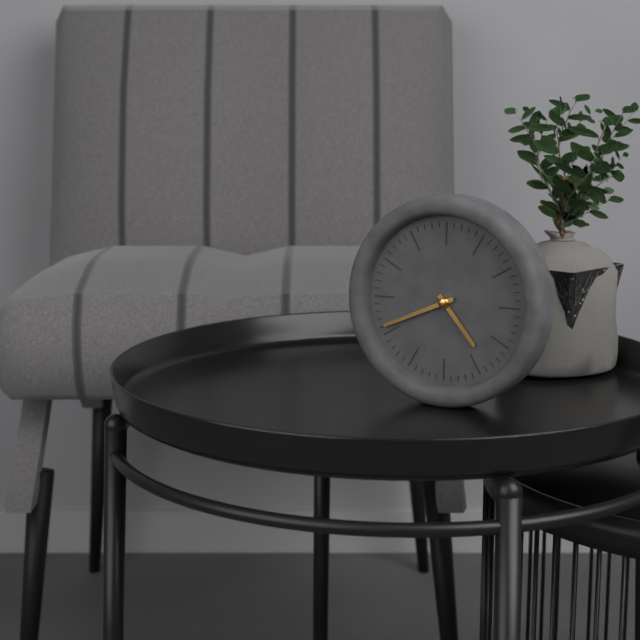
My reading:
4 h 41 min
